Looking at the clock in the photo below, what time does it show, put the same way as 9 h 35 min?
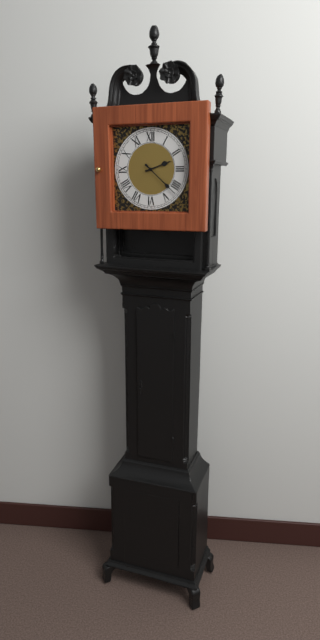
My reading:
2 h 22 min
